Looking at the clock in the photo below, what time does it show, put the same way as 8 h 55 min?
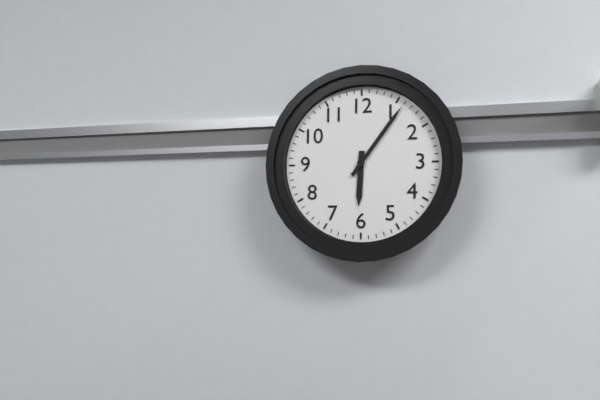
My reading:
6 h 06 min
